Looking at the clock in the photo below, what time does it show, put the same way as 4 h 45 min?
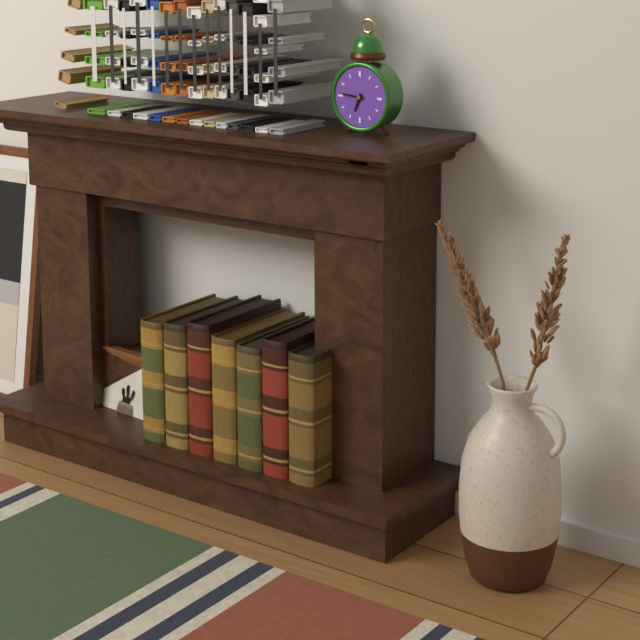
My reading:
6 h 46 min
